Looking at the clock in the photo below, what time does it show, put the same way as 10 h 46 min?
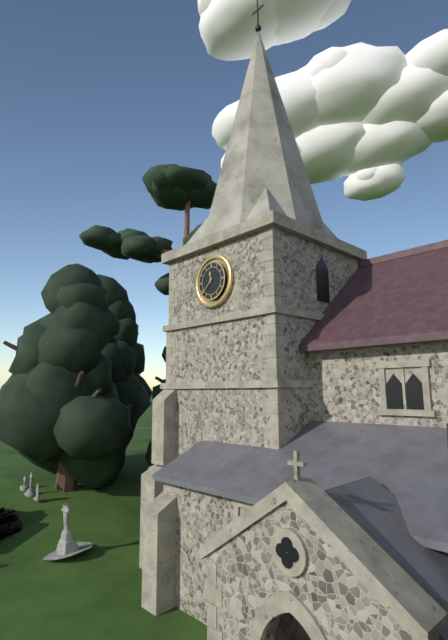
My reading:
11 h 38 min
